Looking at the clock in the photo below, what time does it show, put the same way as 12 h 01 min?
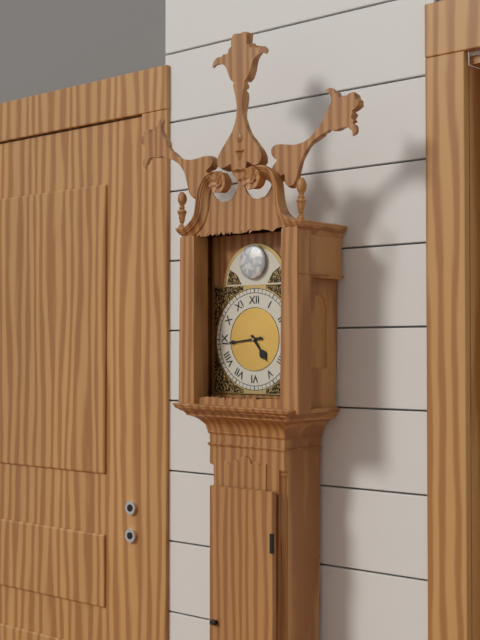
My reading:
4 h 44 min
